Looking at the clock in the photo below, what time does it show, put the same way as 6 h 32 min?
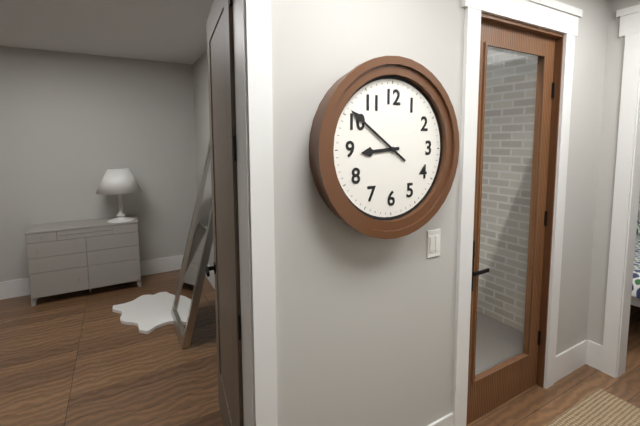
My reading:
8 h 51 min
